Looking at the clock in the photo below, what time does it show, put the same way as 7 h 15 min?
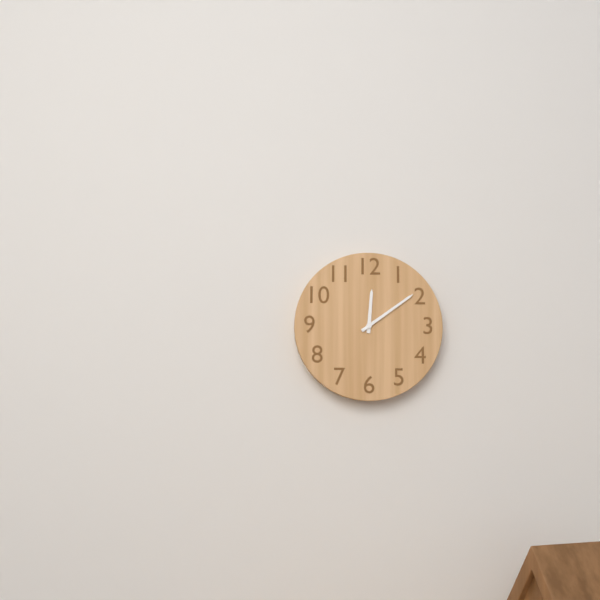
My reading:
12 h 09 min
